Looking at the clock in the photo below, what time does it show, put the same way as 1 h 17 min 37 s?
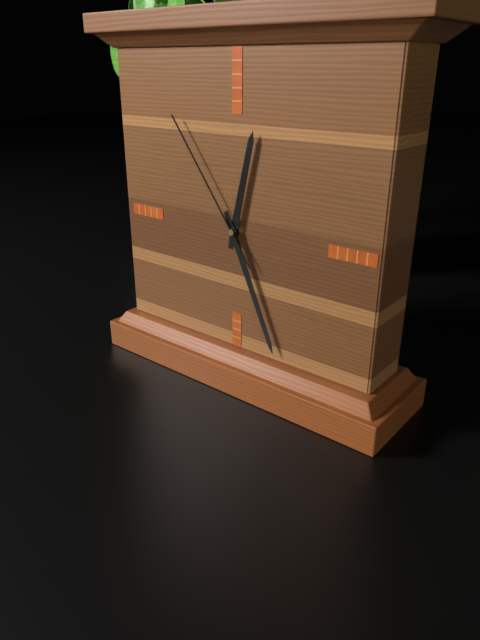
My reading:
12 h 26 min 54 s
